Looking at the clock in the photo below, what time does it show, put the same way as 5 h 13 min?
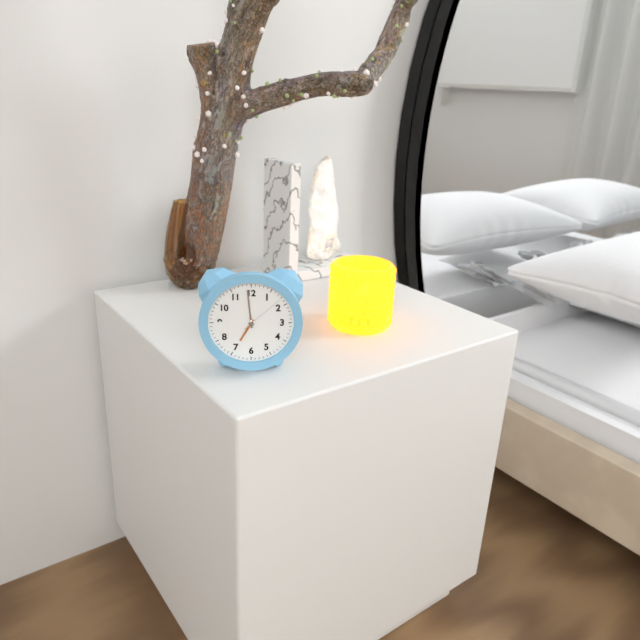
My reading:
6 h 59 min
